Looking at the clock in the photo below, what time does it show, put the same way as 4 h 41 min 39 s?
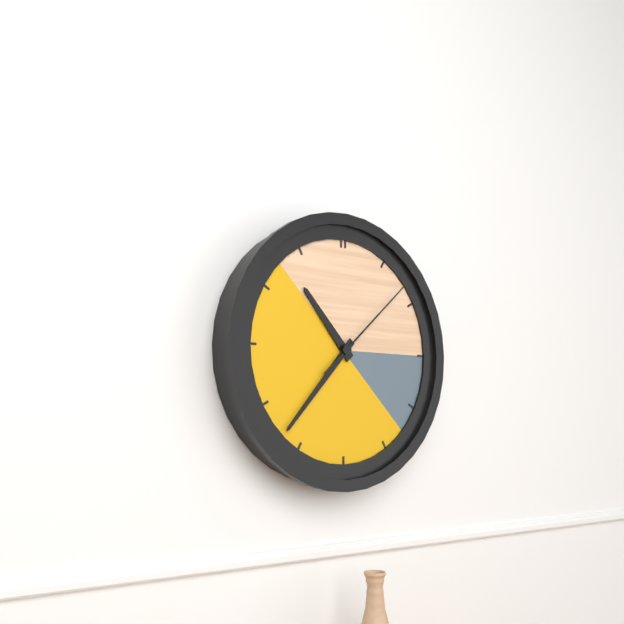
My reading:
10 h 37 min 08 s
